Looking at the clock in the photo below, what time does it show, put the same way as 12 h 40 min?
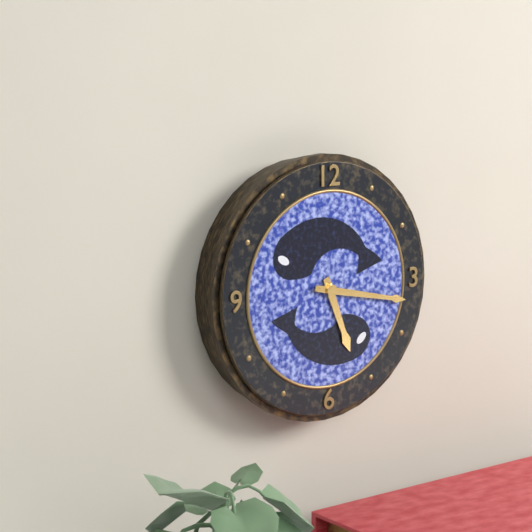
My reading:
5 h 17 min
